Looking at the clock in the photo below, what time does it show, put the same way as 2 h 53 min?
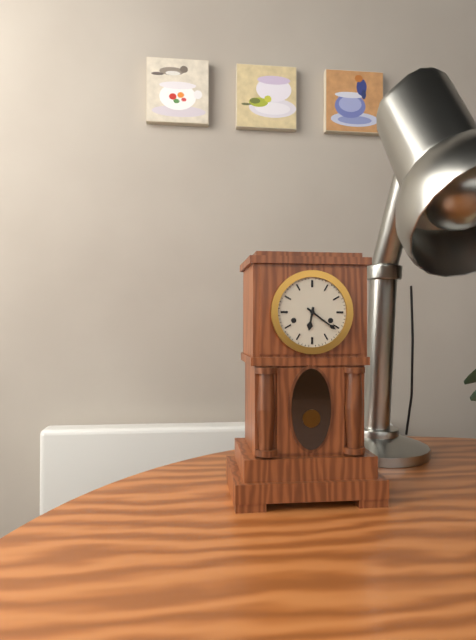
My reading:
6 h 21 min
